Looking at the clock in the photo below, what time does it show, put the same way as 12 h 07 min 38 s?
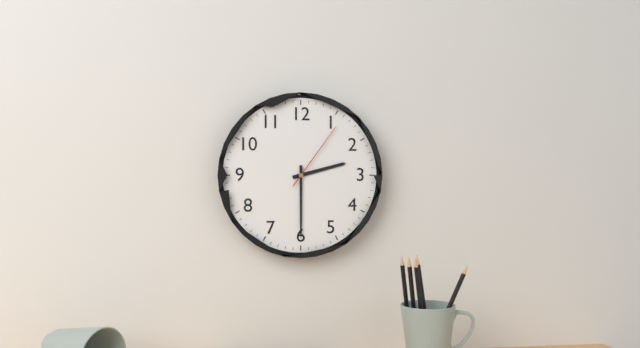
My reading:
2 h 30 min 06 s
